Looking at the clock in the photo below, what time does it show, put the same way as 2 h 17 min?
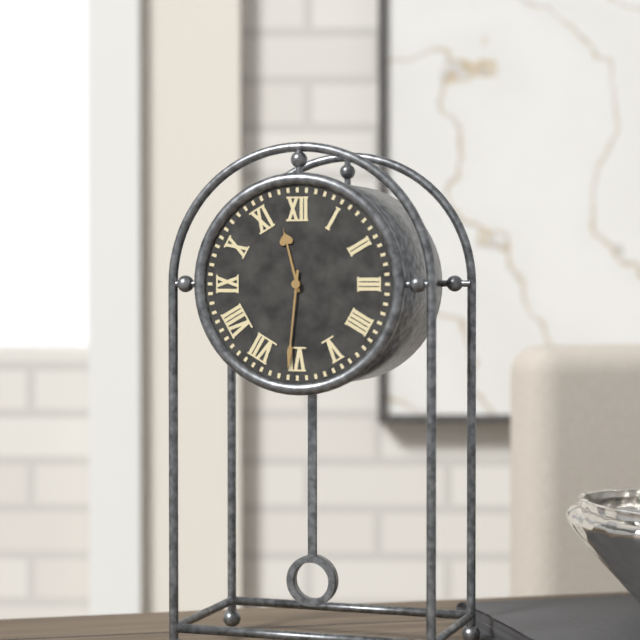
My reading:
11 h 31 min
